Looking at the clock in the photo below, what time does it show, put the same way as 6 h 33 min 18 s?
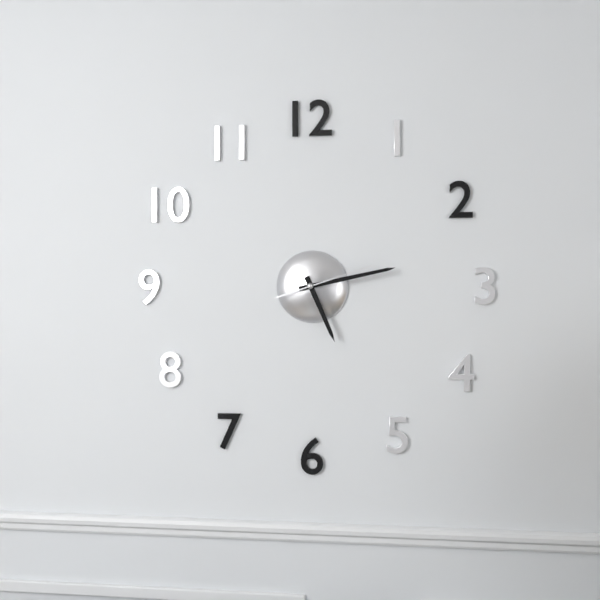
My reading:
5 h 13 min 12 s
